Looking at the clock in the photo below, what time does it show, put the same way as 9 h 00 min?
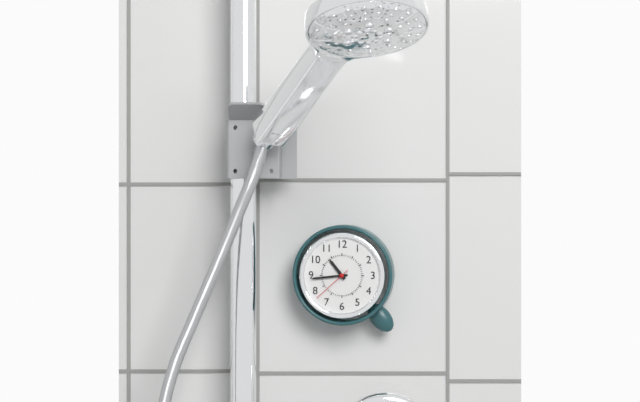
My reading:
10 h 44 min
